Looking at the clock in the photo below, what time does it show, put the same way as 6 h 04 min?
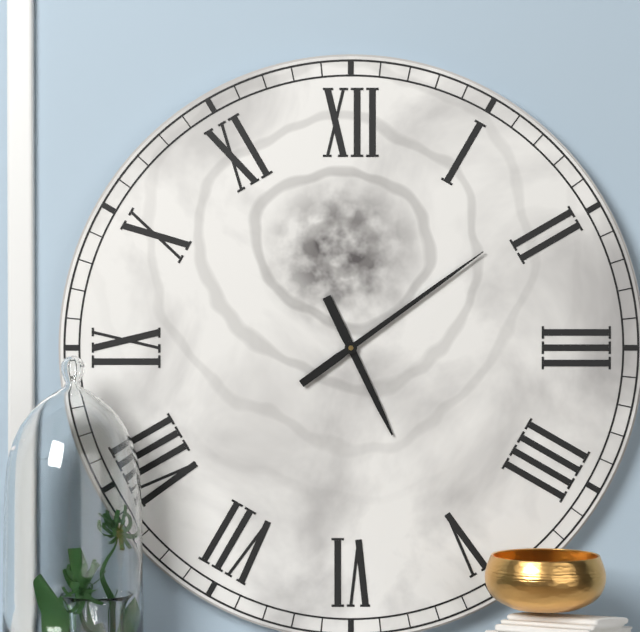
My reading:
5 h 09 min
